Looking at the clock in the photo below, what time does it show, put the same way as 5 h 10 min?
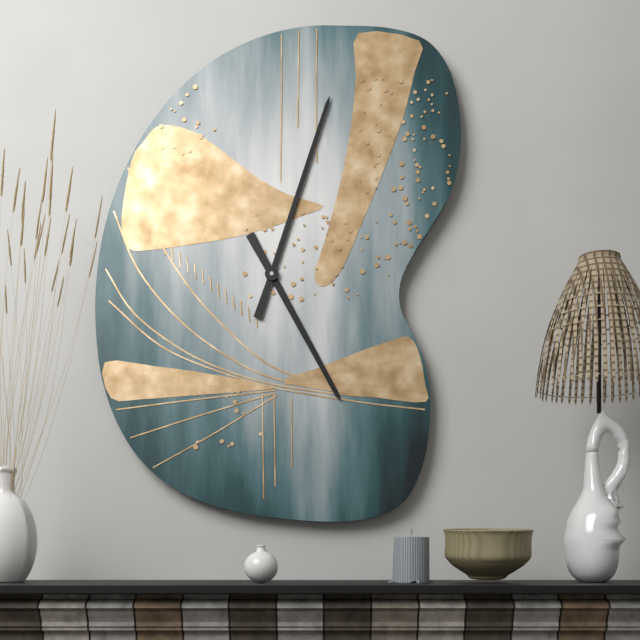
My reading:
5 h 03 min
